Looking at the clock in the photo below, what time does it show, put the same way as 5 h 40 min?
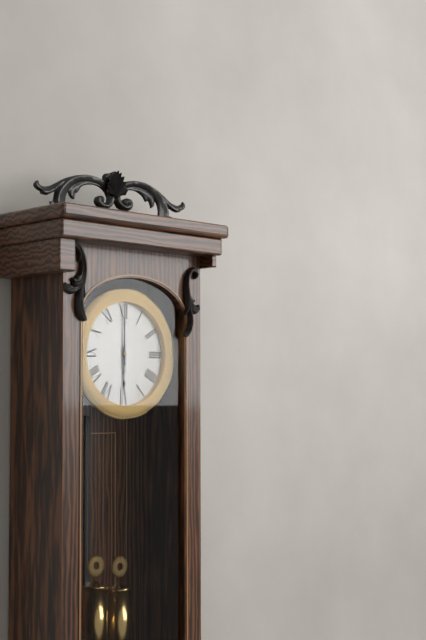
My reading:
6 h 00 min
